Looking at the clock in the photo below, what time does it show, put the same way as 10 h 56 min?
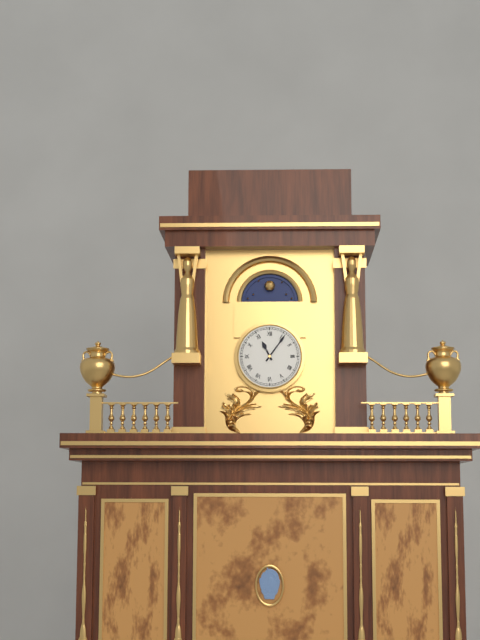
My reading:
11 h 06 min
